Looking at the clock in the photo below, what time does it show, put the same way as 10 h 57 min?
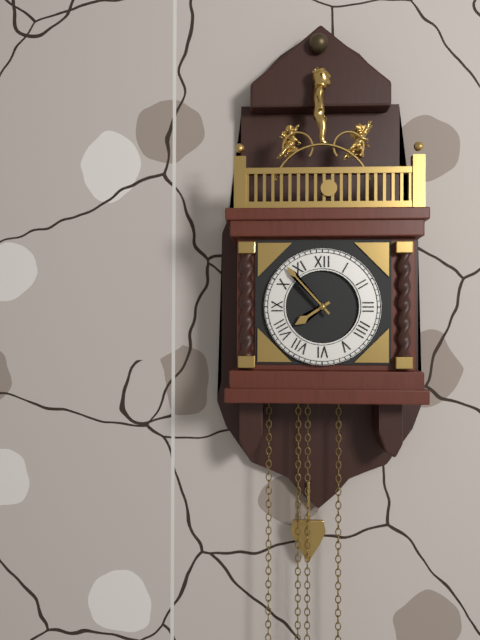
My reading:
7 h 53 min
